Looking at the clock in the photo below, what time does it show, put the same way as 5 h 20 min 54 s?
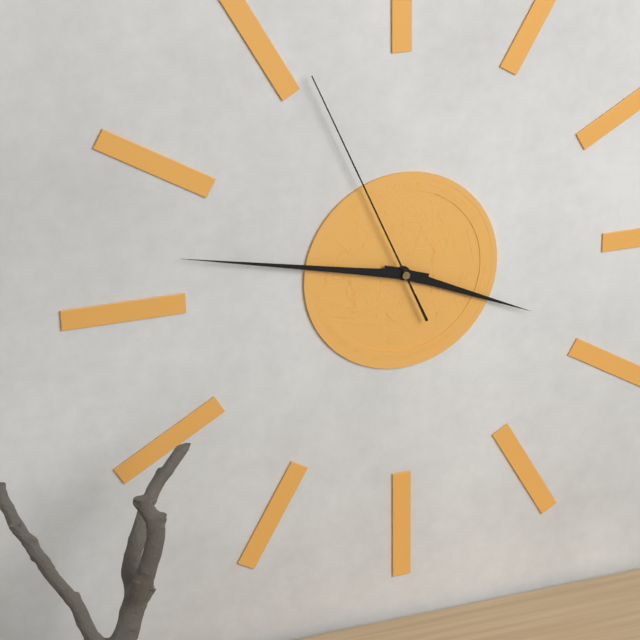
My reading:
3 h 47 min 56 s
